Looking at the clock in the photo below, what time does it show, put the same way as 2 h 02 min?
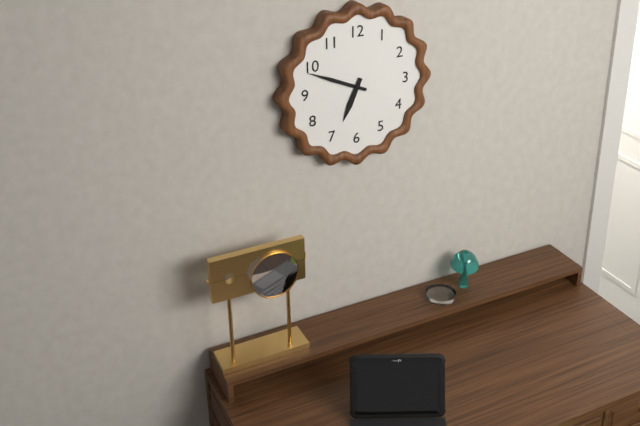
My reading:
6 h 49 min
